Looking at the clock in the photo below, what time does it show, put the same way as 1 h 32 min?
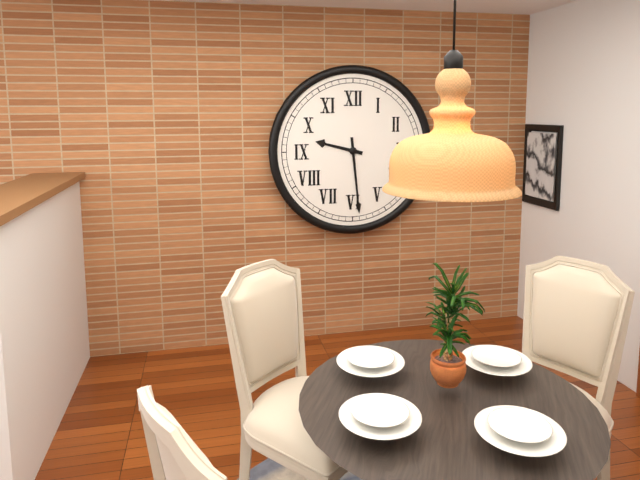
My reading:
9 h 29 min
